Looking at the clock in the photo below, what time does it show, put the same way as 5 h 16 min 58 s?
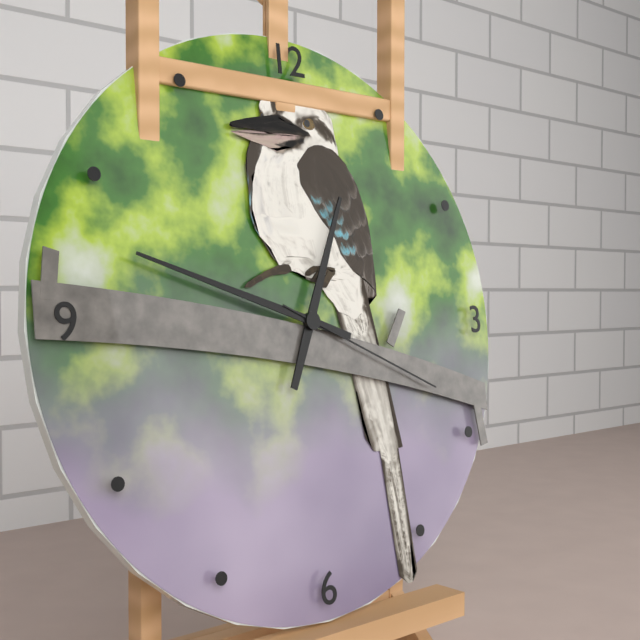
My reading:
12 h 48 min 19 s
